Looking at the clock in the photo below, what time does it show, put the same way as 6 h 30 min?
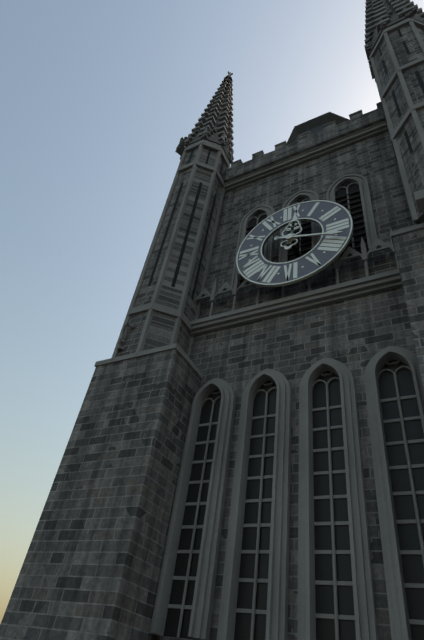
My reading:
12 h 18 min
